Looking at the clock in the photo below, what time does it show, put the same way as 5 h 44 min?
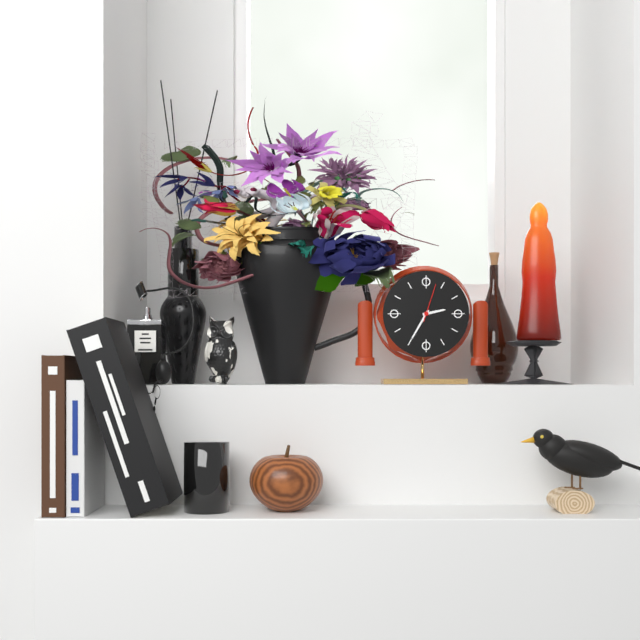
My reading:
2 h 35 min
